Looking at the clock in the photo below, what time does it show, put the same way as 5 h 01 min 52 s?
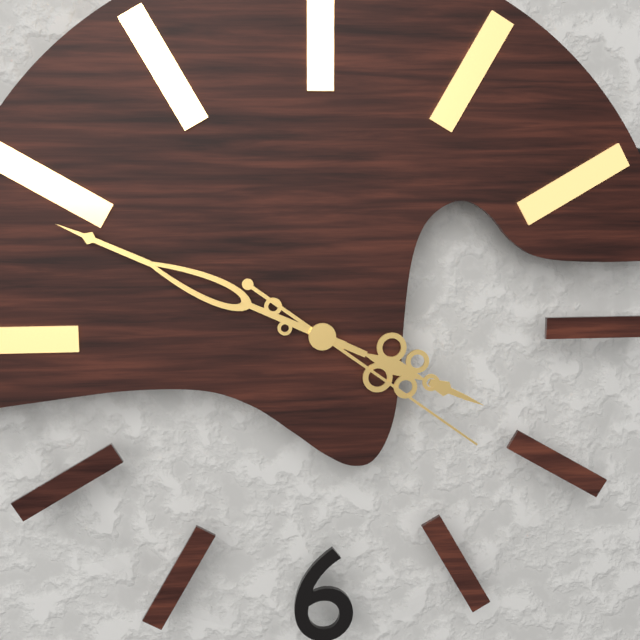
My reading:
3 h 49 min 21 s
